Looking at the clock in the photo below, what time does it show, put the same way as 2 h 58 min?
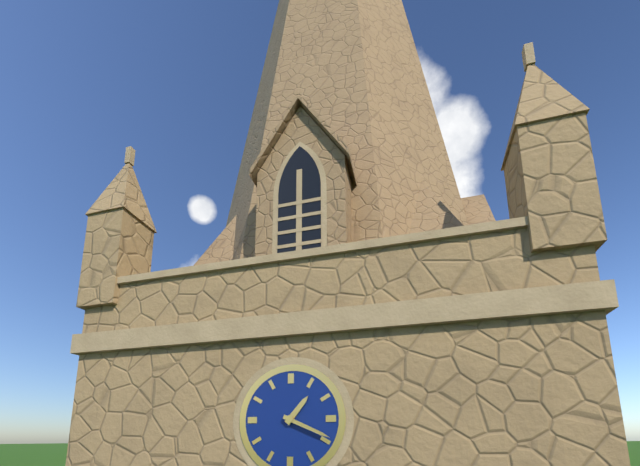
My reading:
1 h 19 min
